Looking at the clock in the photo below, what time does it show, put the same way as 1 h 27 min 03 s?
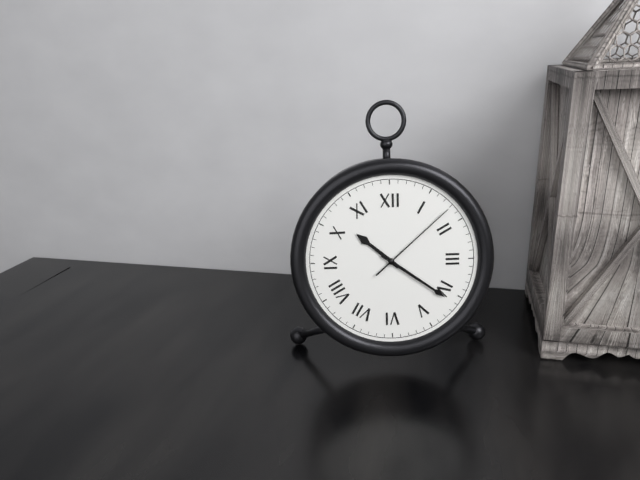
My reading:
10 h 21 min 08 s
